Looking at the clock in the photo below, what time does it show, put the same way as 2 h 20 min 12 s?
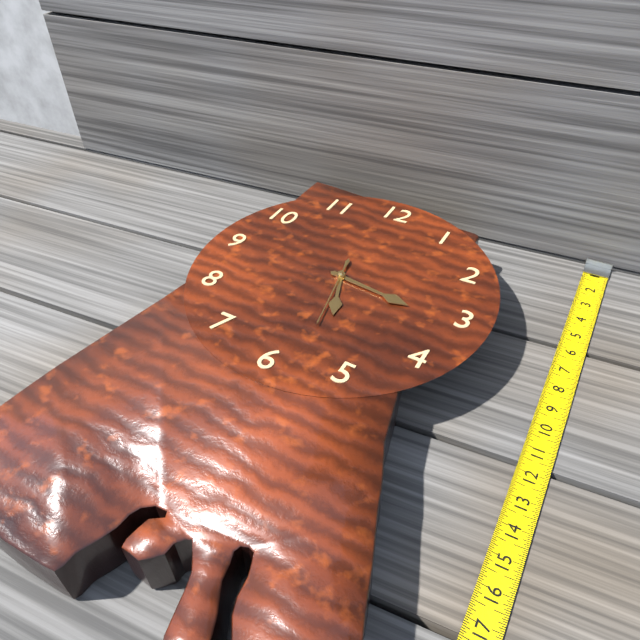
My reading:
5 h 16 min 28 s
